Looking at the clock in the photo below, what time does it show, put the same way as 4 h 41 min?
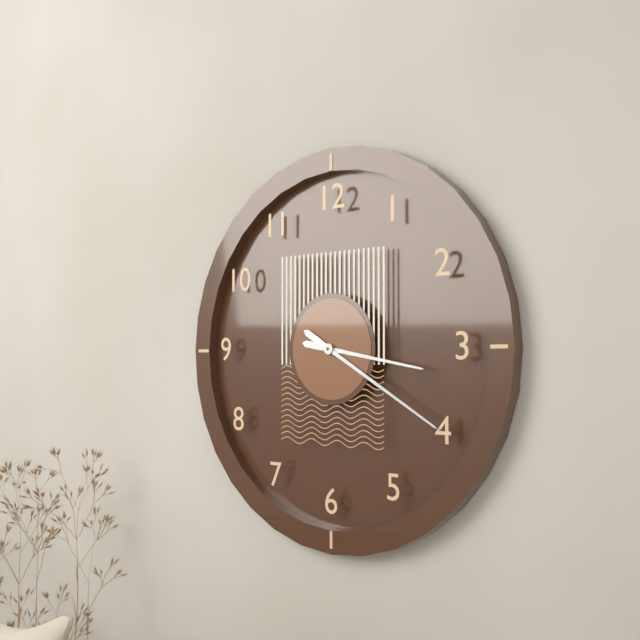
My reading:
3 h 20 min
